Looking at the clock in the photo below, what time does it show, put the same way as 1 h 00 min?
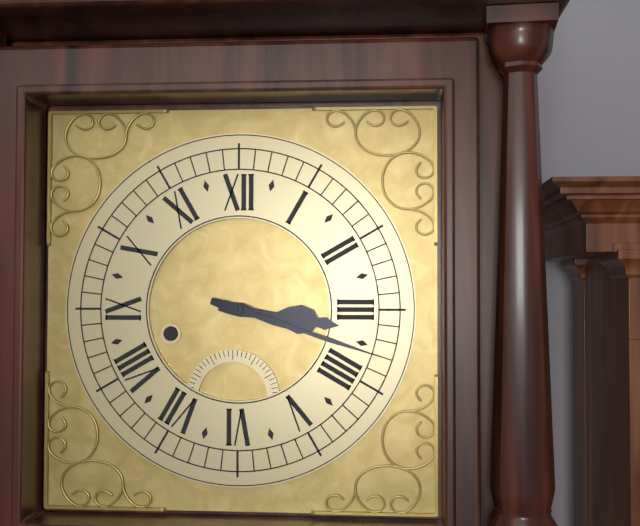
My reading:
3 h 18 min
